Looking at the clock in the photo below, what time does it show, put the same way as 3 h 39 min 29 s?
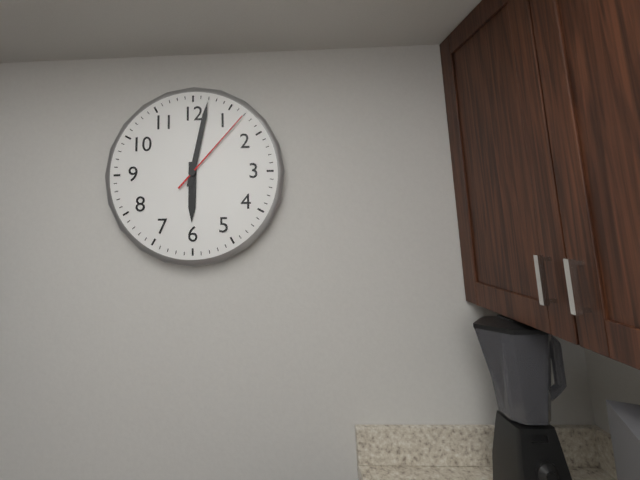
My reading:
6 h 02 min 07 s
